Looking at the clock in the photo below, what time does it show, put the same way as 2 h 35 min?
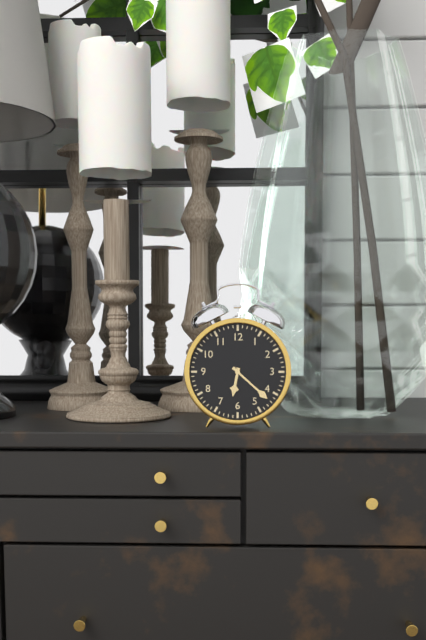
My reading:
6 h 22 min
